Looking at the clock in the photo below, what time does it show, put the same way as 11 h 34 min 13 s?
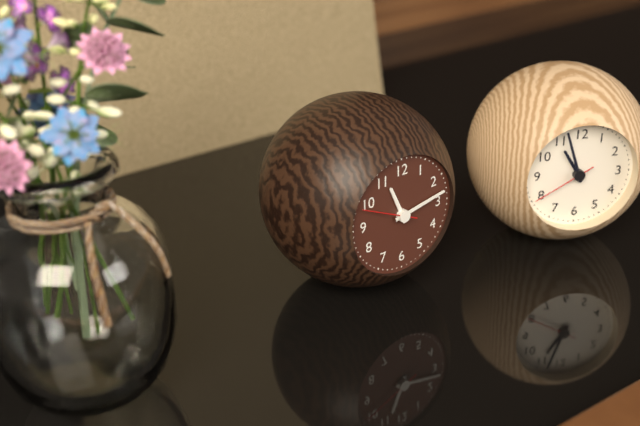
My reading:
11 h 13 min 49 s
